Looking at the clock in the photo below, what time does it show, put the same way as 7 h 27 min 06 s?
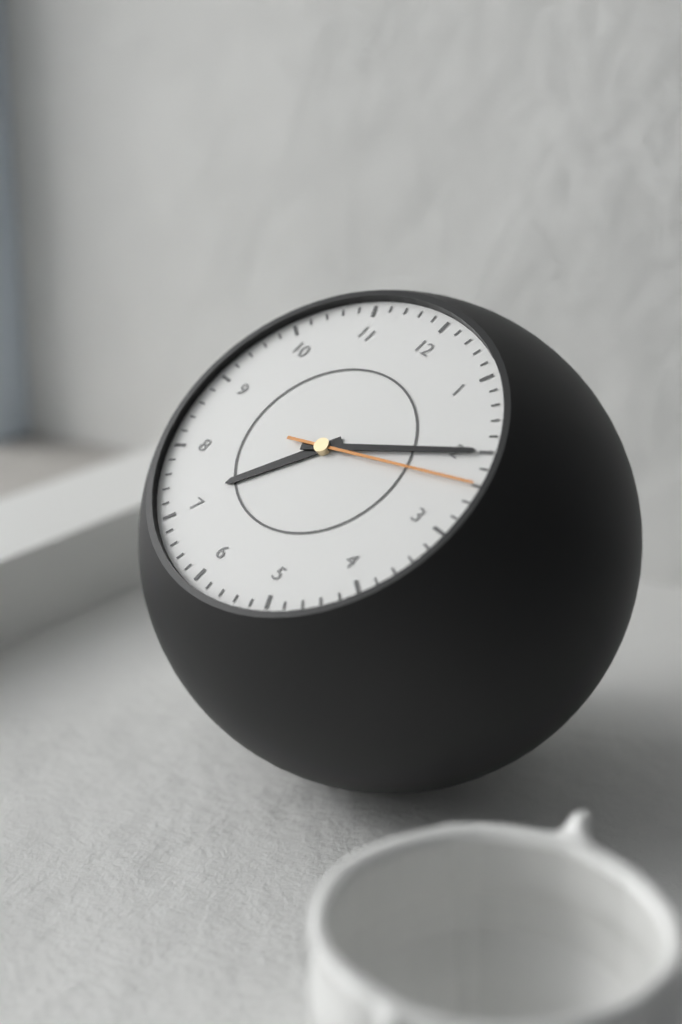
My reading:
7 h 10 min 12 s
